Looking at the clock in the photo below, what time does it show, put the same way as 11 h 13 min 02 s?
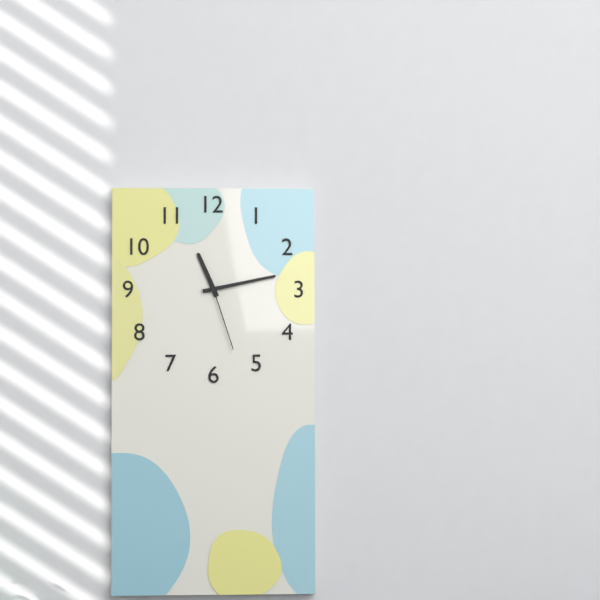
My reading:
11 h 13 min 27 s
